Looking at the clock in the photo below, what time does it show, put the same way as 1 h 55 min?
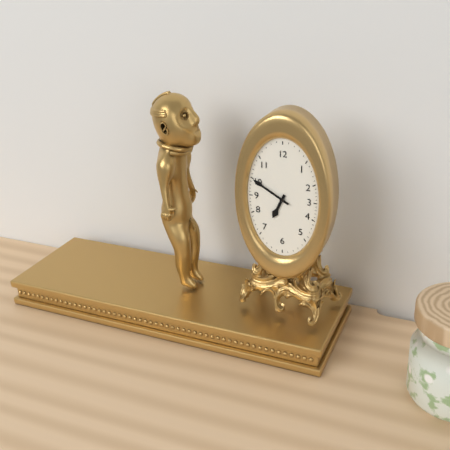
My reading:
6 h 50 min
